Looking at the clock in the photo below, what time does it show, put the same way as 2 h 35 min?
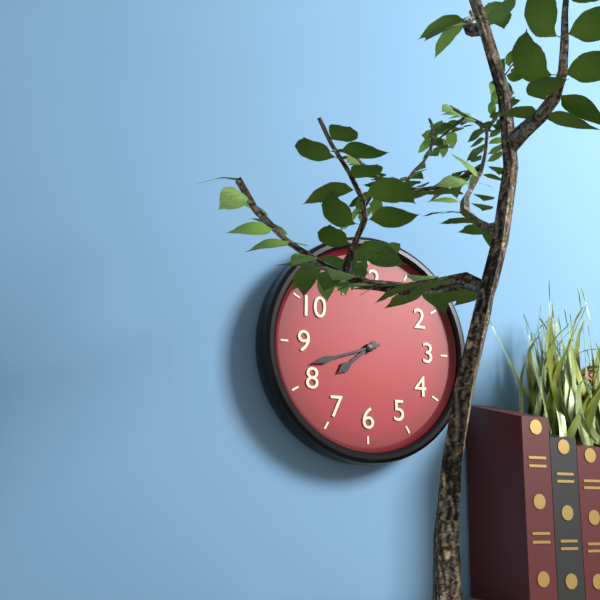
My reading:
7 h 42 min
